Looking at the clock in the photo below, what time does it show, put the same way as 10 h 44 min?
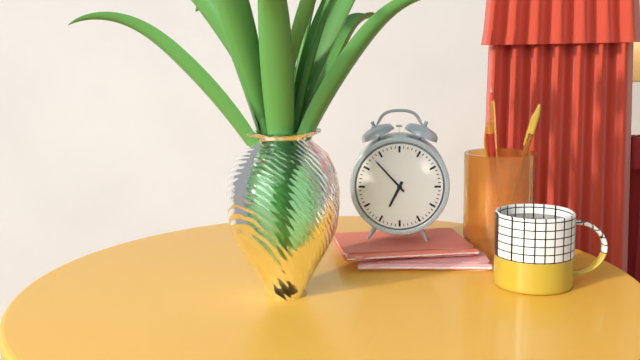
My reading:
6 h 53 min
